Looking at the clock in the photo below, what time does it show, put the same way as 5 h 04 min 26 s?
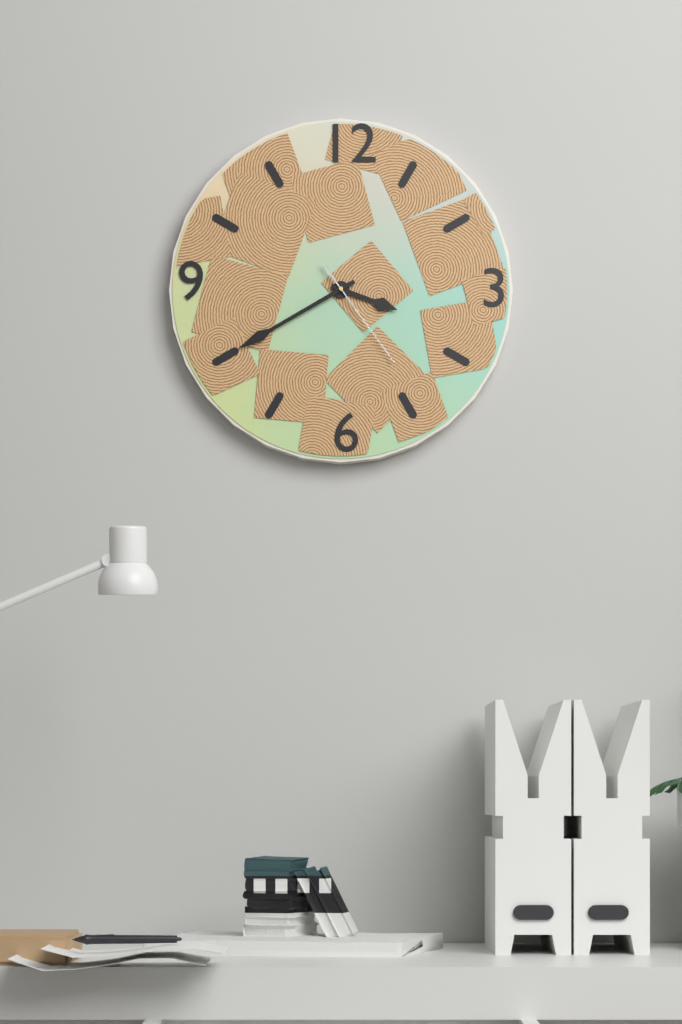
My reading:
3 h 40 min 24 s
